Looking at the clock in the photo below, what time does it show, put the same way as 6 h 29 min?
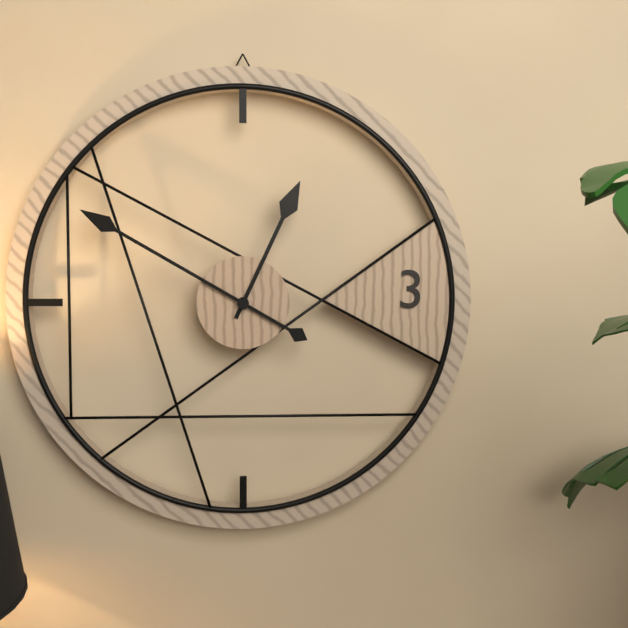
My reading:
12 h 50 min
